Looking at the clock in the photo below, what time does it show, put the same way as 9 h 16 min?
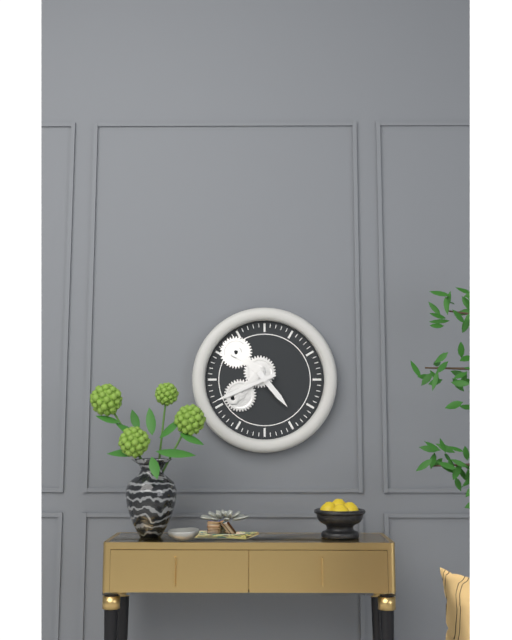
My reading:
4 h 41 min
